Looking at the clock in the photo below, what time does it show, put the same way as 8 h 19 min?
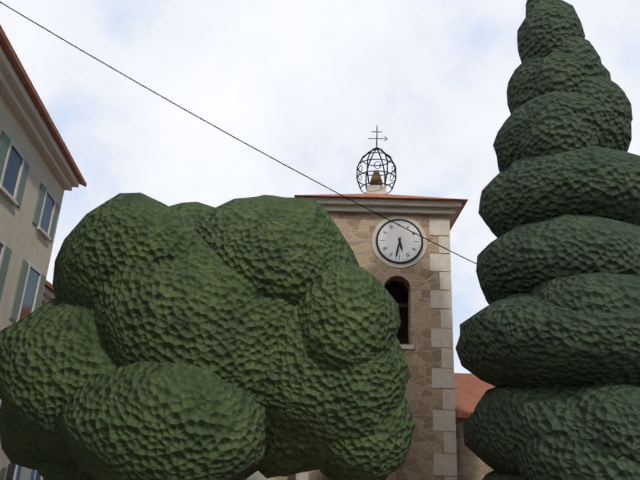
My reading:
5 h 32 min
